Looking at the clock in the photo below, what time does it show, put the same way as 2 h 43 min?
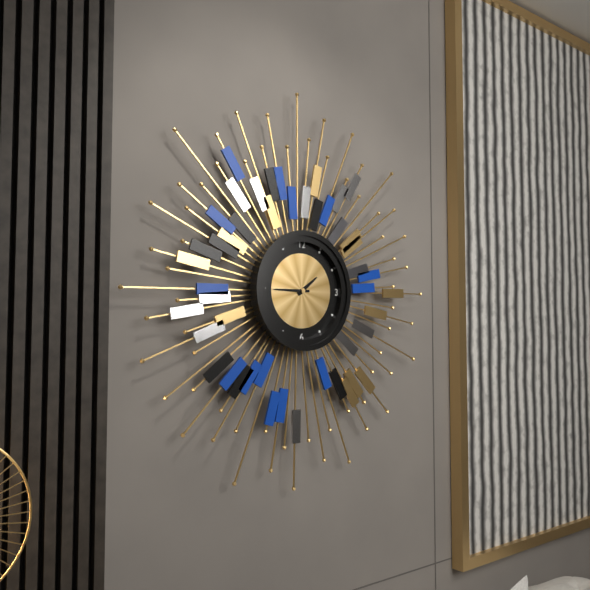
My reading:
1 h 45 min
